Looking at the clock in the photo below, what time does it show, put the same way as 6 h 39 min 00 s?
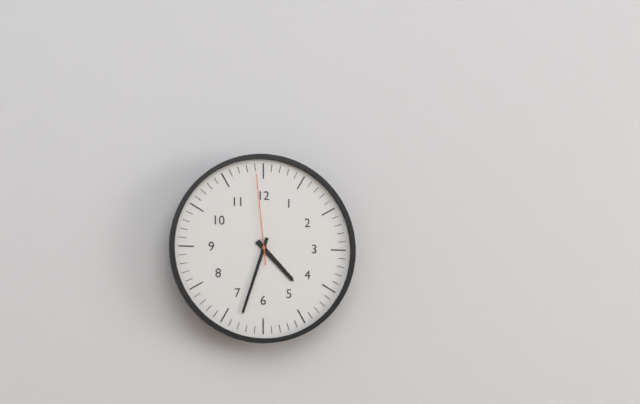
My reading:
4 h 33 min 59 s
